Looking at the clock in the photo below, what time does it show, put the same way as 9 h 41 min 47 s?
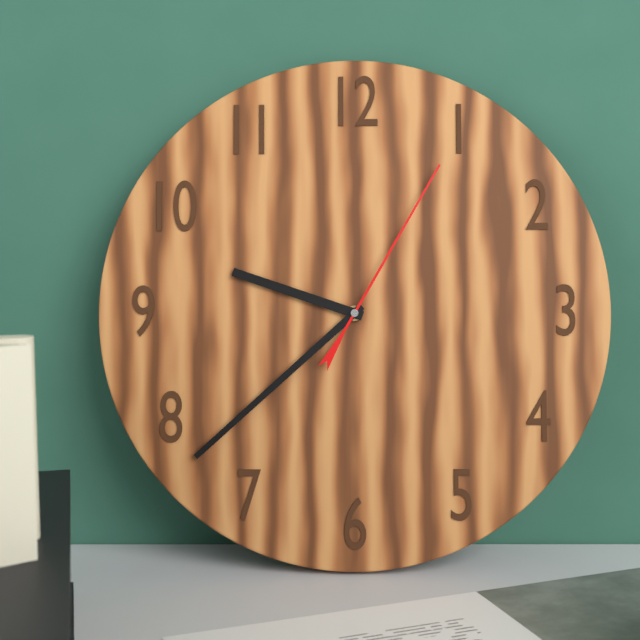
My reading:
9 h 38 min 05 s
